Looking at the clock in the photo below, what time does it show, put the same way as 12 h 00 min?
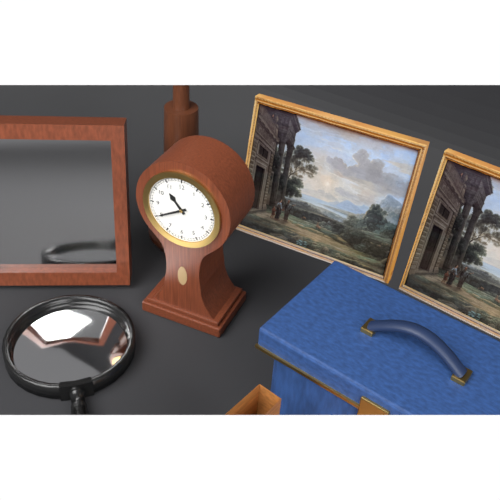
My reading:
10 h 40 min
